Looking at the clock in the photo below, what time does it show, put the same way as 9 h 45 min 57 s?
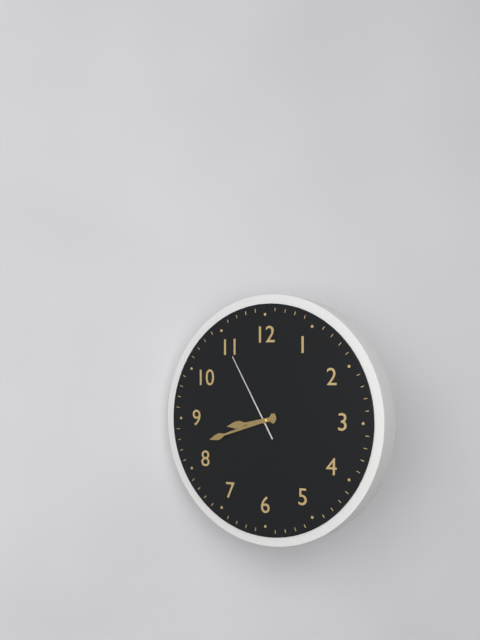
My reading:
8 h 42 min 55 s
